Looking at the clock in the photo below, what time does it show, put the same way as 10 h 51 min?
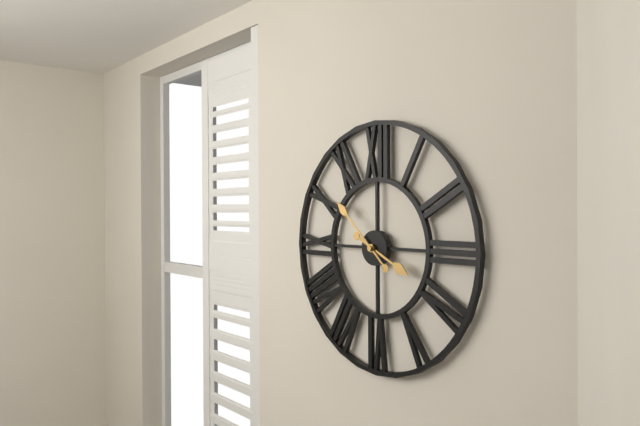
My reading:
3 h 52 min
